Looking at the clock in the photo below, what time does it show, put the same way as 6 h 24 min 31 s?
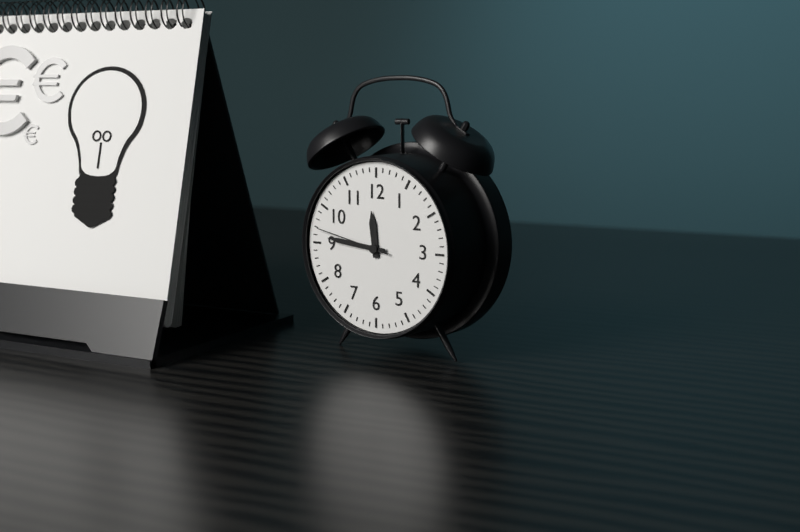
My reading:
11 h 46 min 47 s
